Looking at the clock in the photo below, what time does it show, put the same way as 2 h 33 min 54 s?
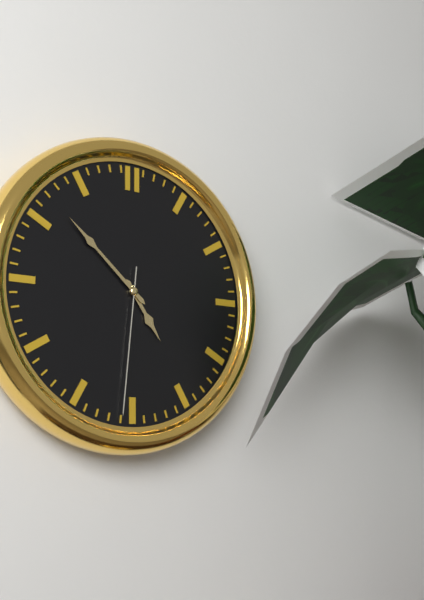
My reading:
4 h 52 min 31 s
